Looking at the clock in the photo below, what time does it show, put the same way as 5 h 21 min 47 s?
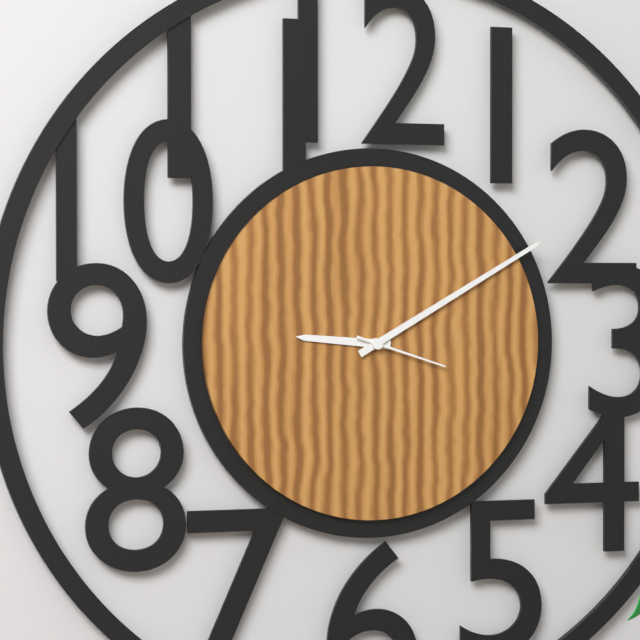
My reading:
9 h 10 min 18 s
